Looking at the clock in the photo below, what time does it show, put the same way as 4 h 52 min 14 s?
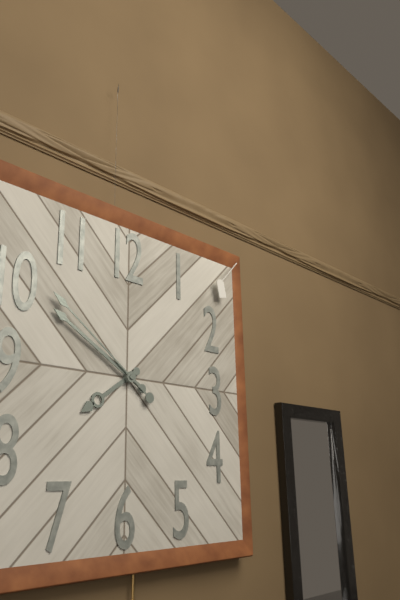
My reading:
7 h 50 min 51 s
